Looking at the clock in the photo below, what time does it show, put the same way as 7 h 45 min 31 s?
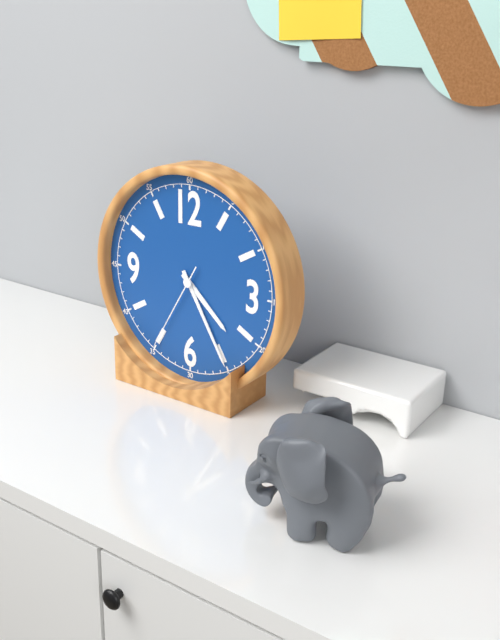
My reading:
4 h 25 min 35 s
